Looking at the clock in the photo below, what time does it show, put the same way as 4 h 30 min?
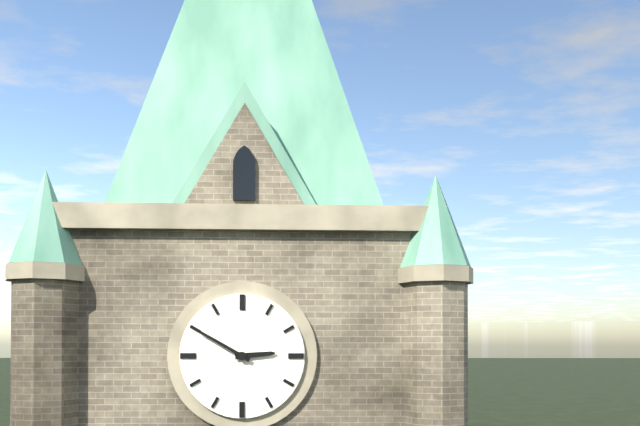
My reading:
2 h 50 min
